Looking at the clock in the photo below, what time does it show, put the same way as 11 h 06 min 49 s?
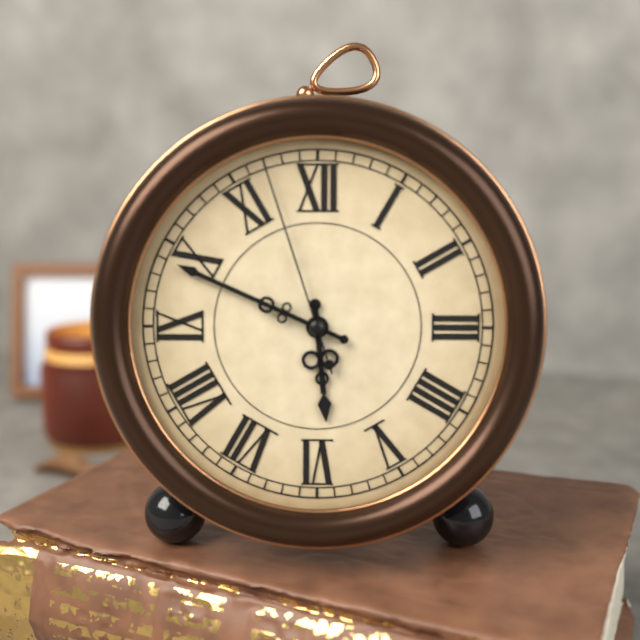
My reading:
5 h 49 min 57 s
